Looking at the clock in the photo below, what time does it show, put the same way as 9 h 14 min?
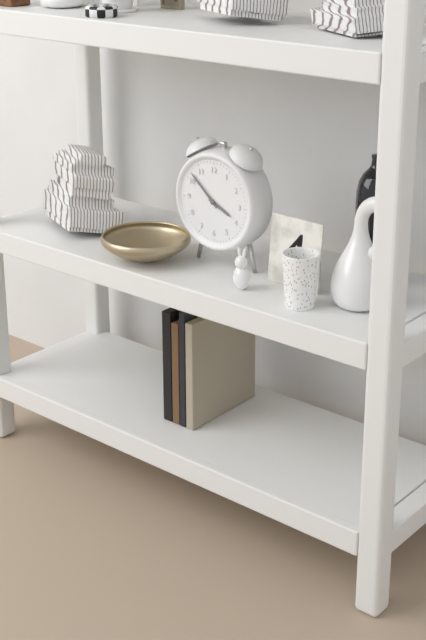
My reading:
3 h 52 min
